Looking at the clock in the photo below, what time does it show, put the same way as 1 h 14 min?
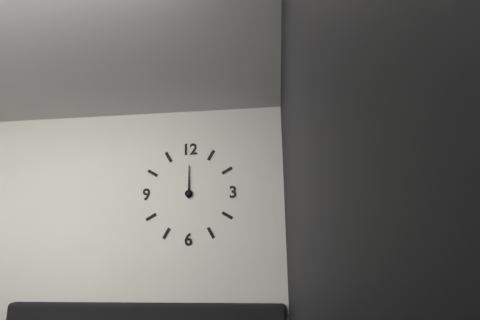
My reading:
12 h 00 min
